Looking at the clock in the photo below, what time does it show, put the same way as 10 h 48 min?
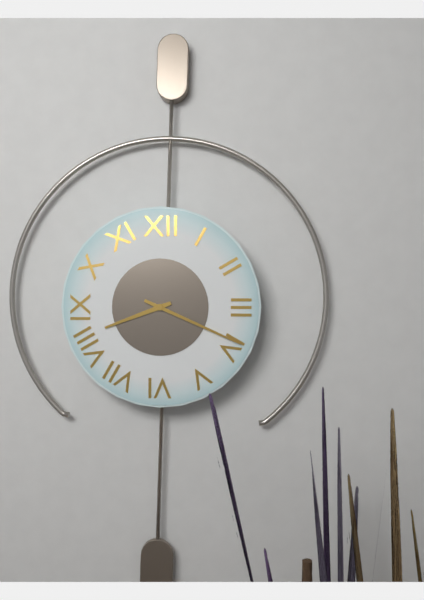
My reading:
8 h 19 min
